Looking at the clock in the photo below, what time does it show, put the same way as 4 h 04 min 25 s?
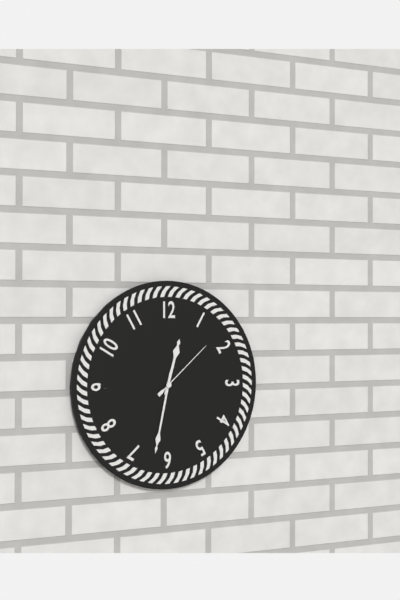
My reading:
12 h 32 min 08 s
